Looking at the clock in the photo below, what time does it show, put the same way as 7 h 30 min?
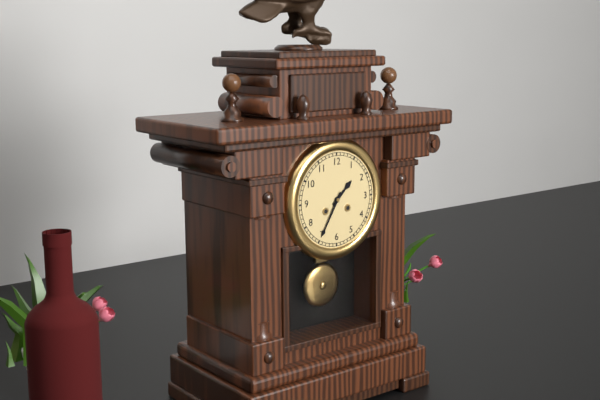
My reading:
1 h 35 min
